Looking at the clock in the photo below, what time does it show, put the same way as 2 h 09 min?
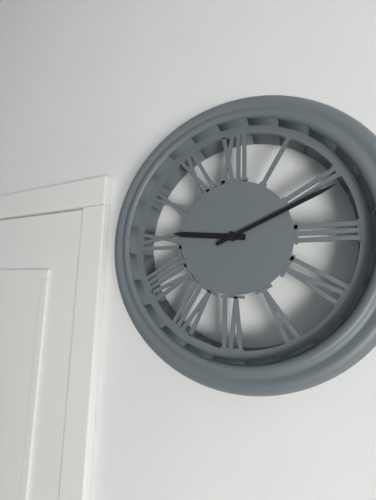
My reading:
9 h 11 min
